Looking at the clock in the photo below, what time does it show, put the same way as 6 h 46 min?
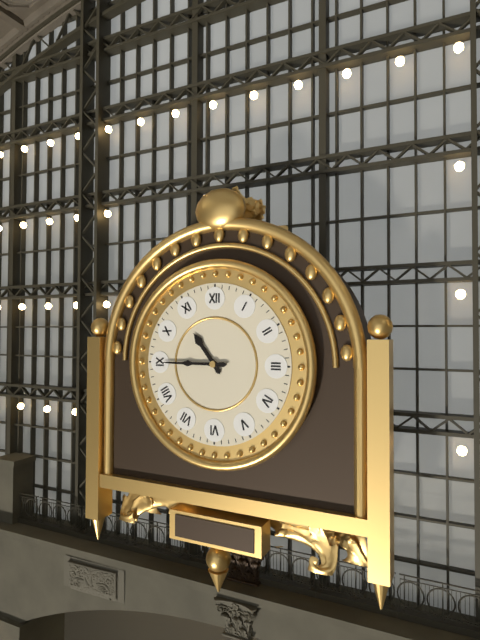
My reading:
10 h 45 min
